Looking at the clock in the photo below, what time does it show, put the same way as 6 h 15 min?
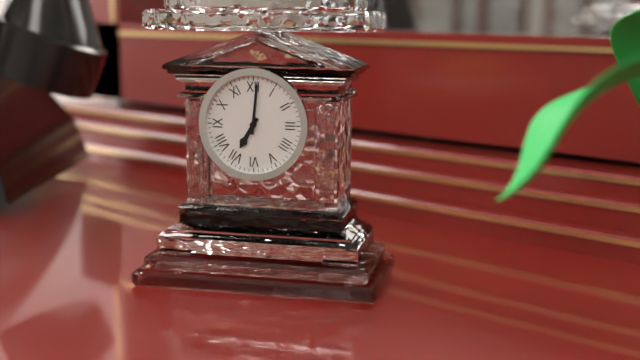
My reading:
7 h 01 min
